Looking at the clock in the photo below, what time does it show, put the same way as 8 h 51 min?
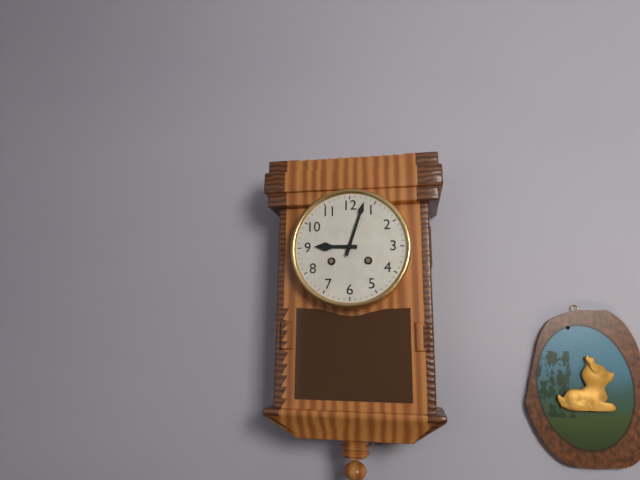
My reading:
9 h 03 min
